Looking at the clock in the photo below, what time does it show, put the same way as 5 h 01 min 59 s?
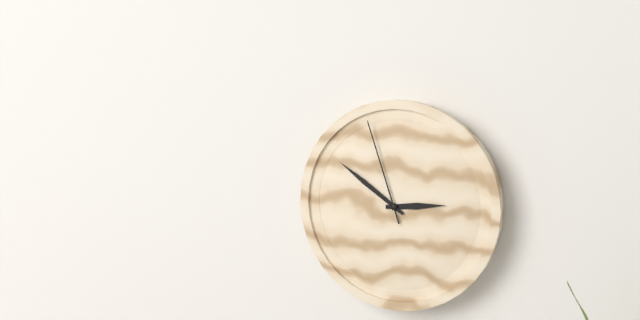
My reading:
2 h 51 min 57 s
